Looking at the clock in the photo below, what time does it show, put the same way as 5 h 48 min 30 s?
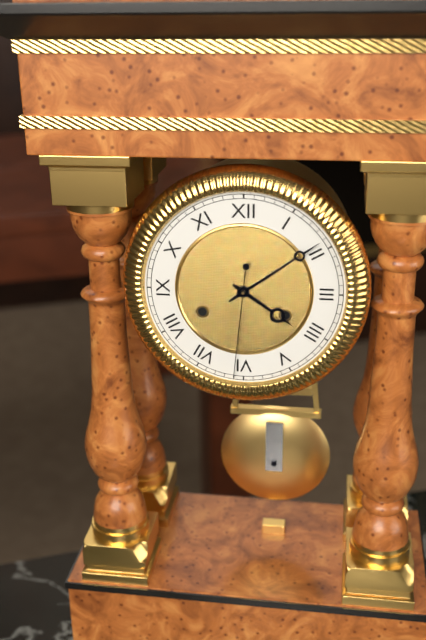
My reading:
4 h 09 min 31 s
